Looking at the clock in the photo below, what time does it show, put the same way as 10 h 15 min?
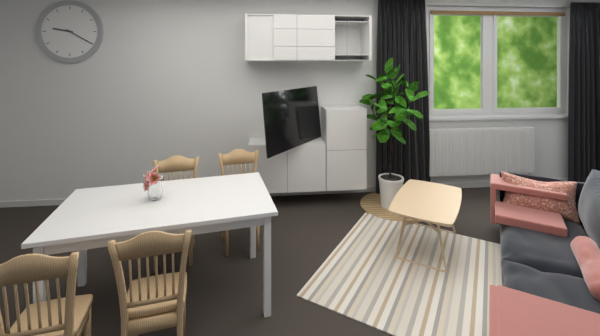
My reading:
9 h 20 min
